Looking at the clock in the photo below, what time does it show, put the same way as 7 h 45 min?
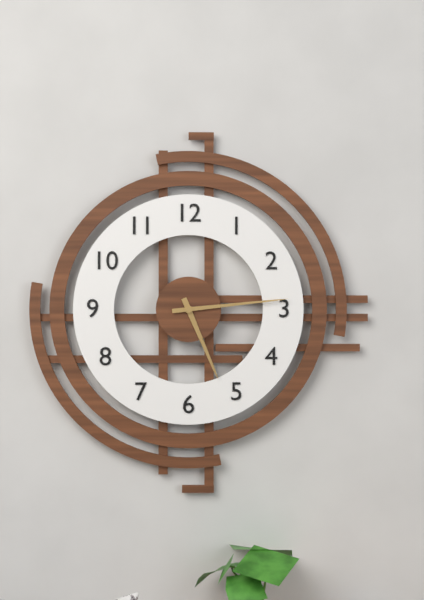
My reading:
5 h 14 min
